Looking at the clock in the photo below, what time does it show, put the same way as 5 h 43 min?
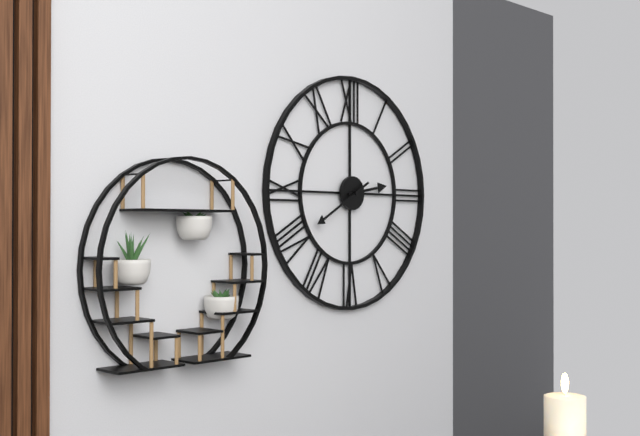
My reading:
2 h 40 min
